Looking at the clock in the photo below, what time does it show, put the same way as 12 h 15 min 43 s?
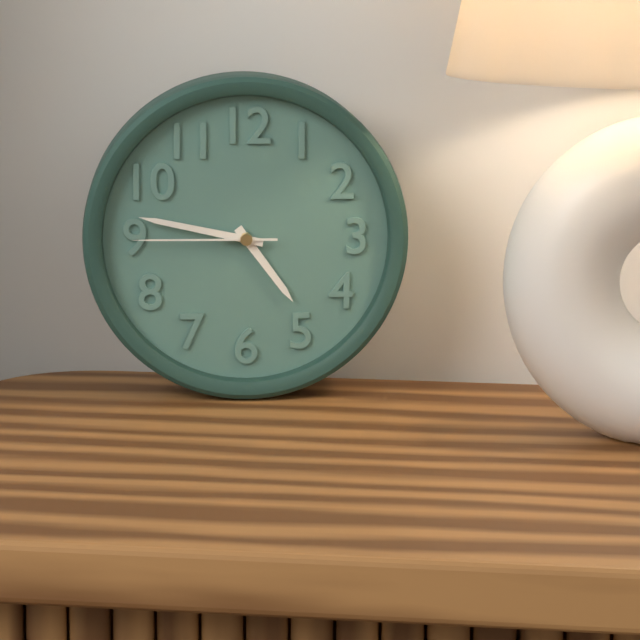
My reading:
4 h 47 min 45 s
